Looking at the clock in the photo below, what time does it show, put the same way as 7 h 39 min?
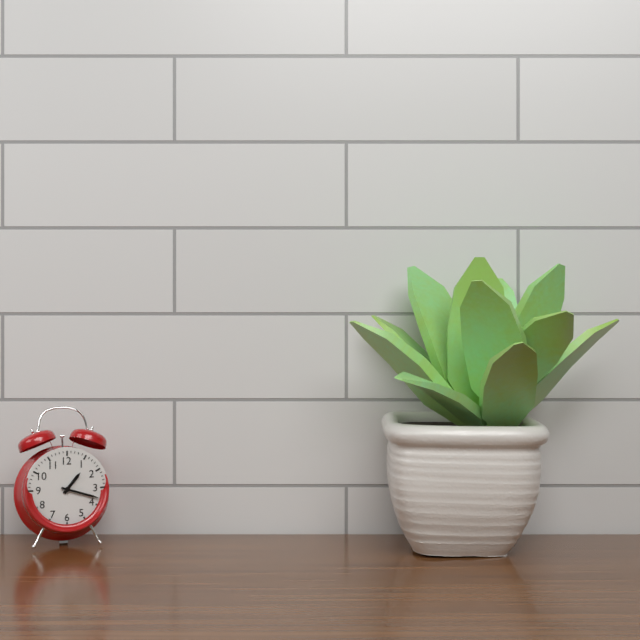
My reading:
1 h 18 min
